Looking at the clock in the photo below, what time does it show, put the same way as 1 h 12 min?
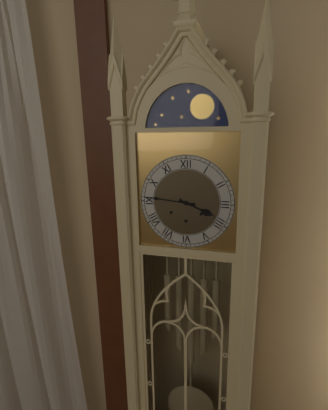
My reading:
3 h 46 min
